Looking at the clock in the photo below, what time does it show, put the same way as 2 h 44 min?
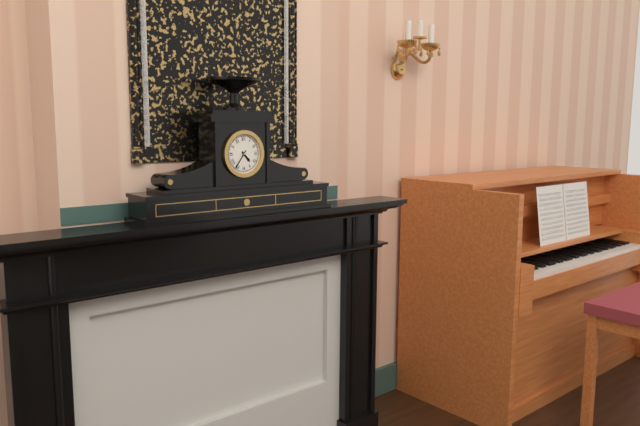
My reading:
4 h 36 min
